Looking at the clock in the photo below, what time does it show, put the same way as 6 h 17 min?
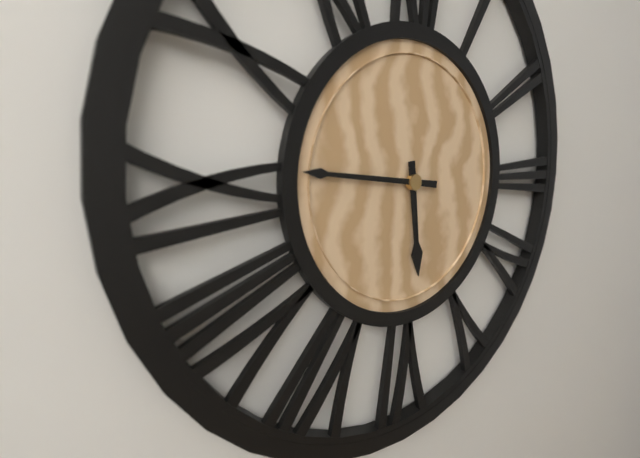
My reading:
5 h 46 min
